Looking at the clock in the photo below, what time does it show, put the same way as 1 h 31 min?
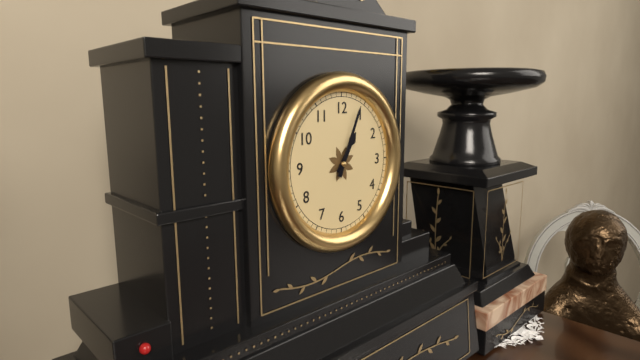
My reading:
1 h 04 min
